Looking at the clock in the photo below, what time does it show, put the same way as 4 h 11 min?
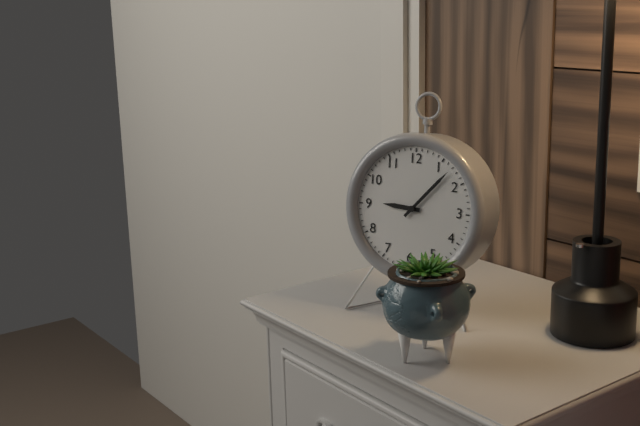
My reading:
9 h 07 min
